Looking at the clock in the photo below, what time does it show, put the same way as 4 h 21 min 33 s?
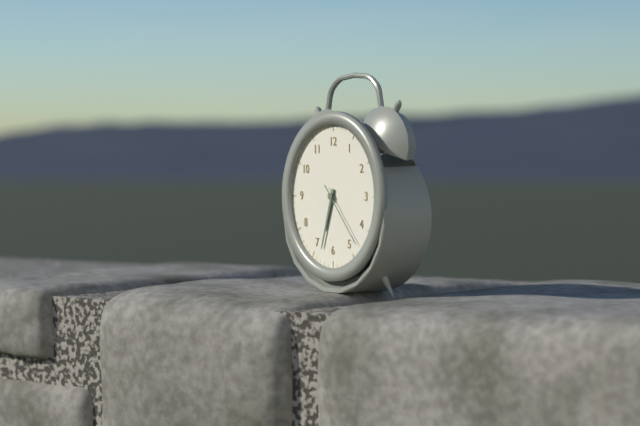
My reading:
6 h 33 min 23 s
